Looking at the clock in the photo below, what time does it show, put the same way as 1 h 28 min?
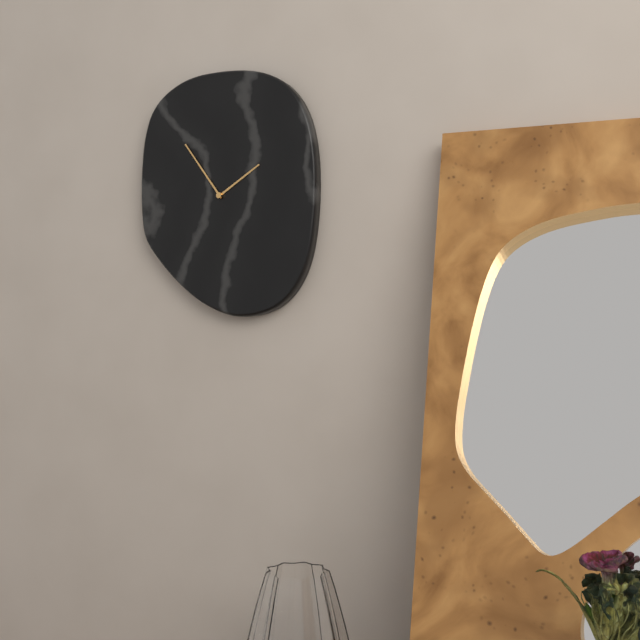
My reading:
1 h 54 min
